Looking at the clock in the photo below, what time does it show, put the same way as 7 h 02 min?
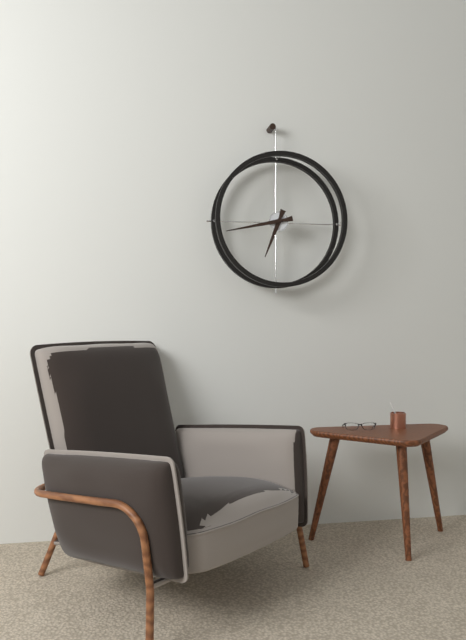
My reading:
6 h 43 min
